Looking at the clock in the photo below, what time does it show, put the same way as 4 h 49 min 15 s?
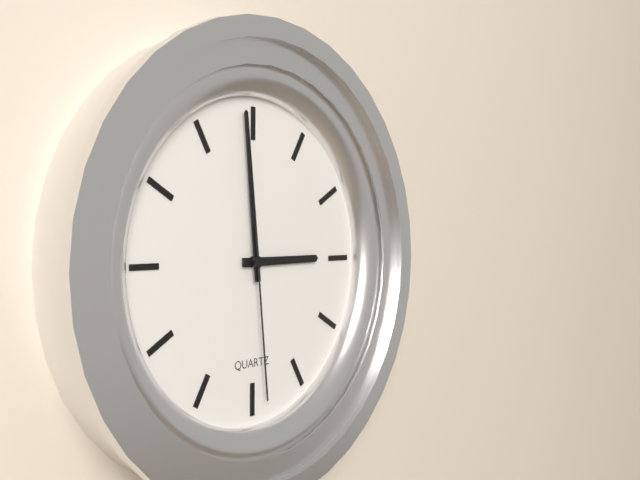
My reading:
2 h 59 min 29 s
